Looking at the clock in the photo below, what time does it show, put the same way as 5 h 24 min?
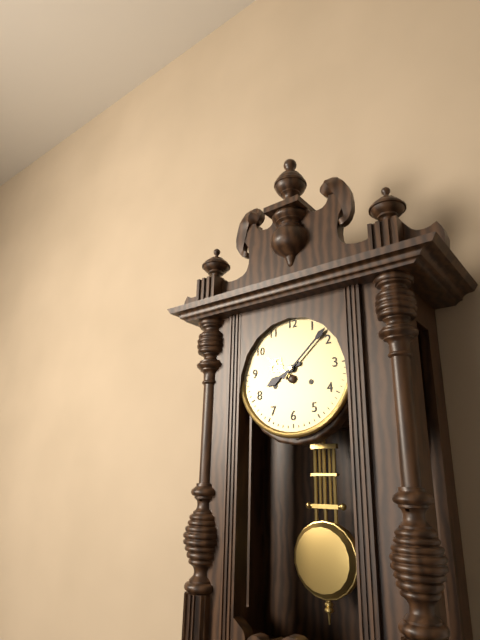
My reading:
8 h 08 min
